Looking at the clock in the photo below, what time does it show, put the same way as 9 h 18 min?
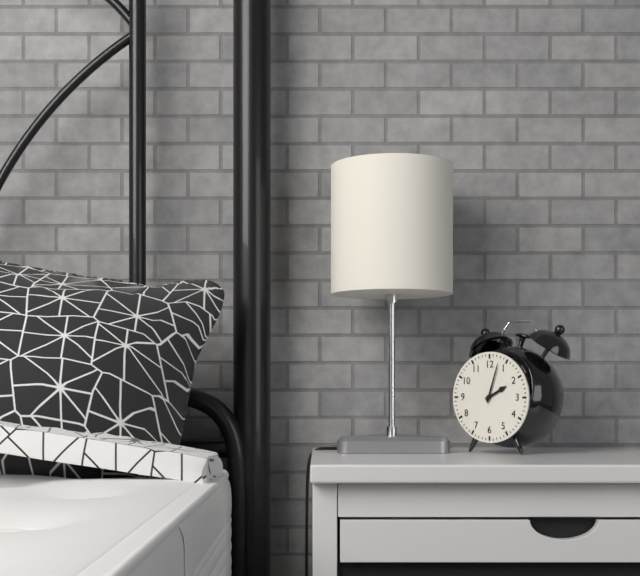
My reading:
2 h 03 min
